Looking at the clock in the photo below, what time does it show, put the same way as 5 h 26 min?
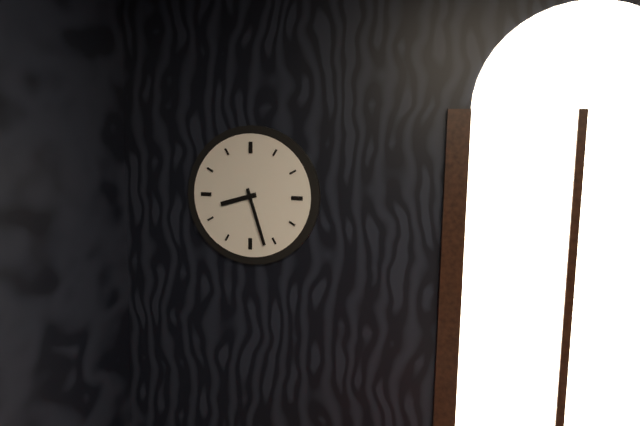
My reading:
8 h 27 min
